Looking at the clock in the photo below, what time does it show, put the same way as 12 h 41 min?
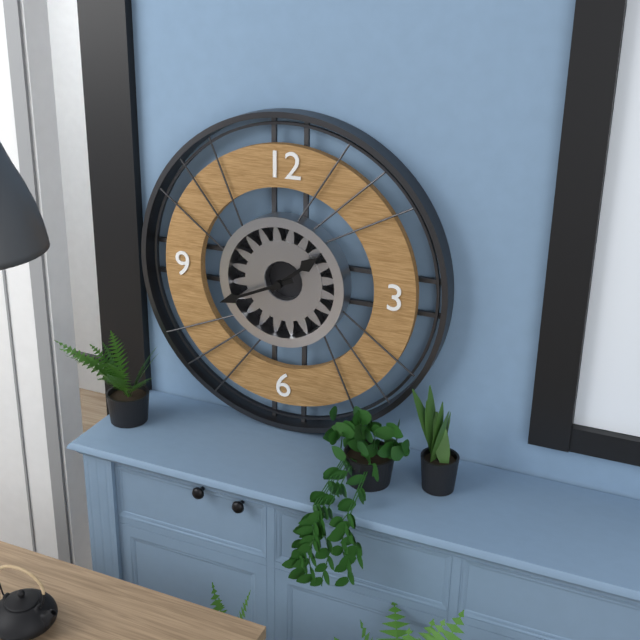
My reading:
1 h 41 min
